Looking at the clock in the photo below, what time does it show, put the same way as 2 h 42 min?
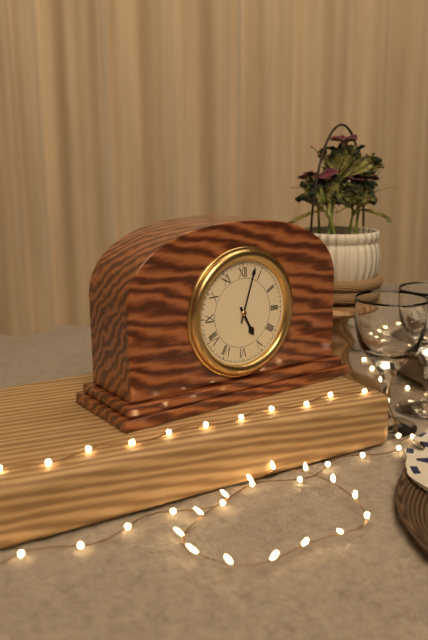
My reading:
5 h 03 min
